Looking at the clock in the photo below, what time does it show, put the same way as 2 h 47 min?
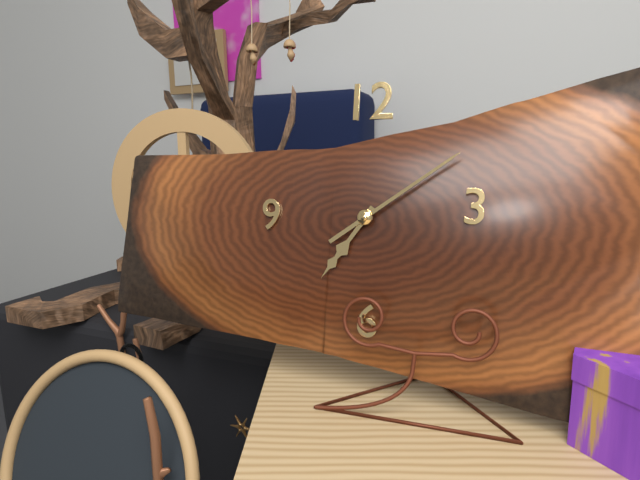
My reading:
7 h 09 min
